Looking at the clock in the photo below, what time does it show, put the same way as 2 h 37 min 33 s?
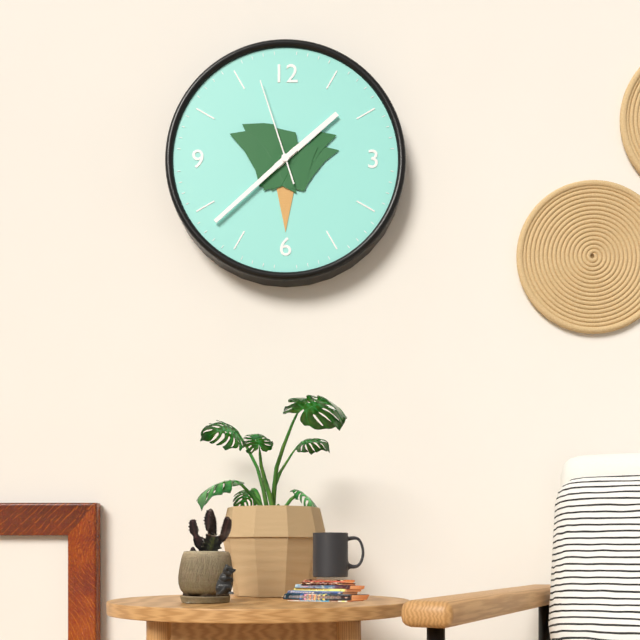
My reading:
1 h 38 min 57 s
